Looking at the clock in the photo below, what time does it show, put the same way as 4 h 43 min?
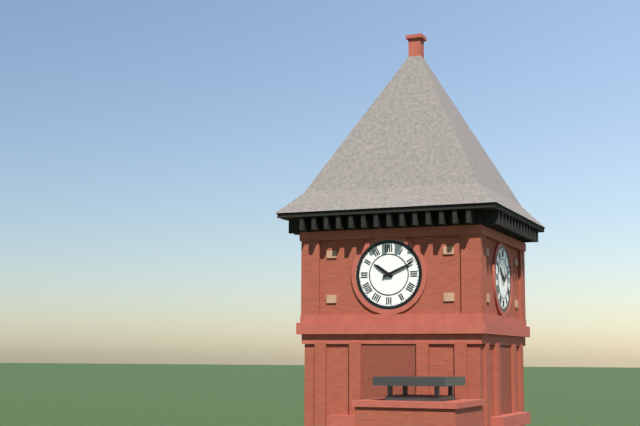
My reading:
10 h 11 min
